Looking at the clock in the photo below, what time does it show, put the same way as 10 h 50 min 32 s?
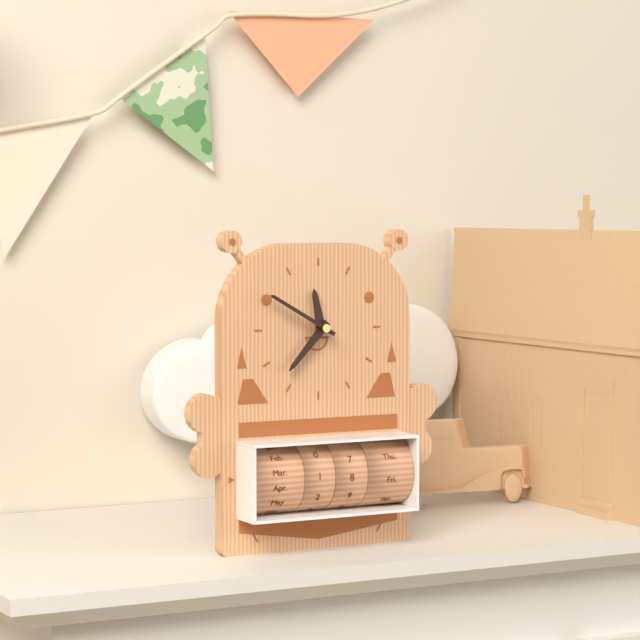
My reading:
11 h 37 min 50 s
